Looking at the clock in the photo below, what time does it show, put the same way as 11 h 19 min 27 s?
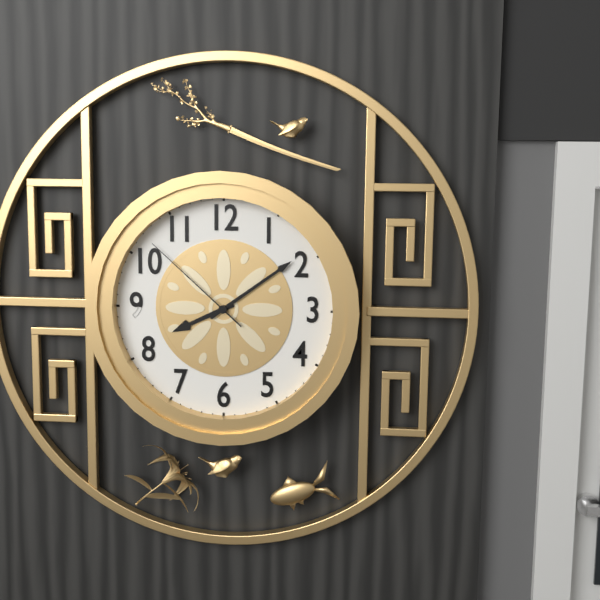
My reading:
8 h 09 min 52 s
